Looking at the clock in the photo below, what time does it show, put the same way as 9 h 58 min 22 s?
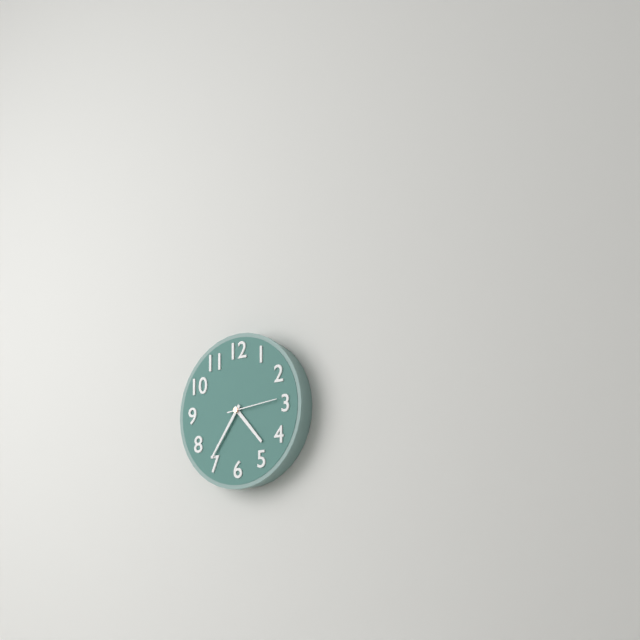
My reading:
4 h 36 min 14 s
